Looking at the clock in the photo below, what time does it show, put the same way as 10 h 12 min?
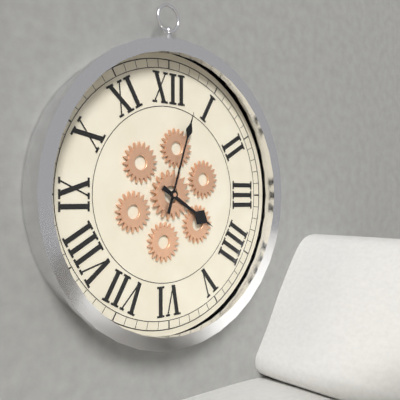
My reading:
4 h 03 min
